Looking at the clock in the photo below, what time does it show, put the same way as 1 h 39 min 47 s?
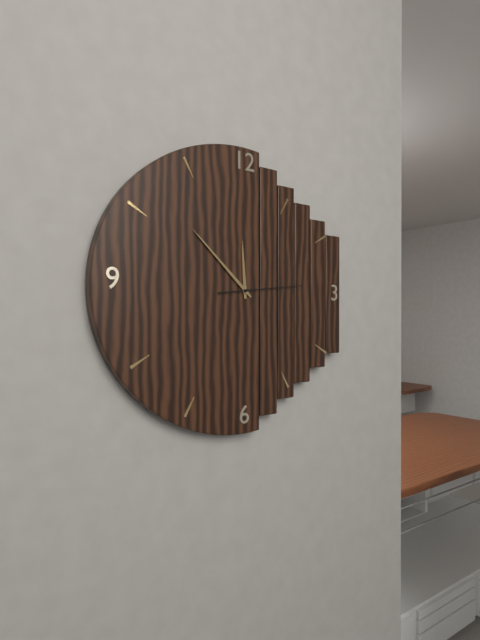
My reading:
11 h 52 min 14 s
